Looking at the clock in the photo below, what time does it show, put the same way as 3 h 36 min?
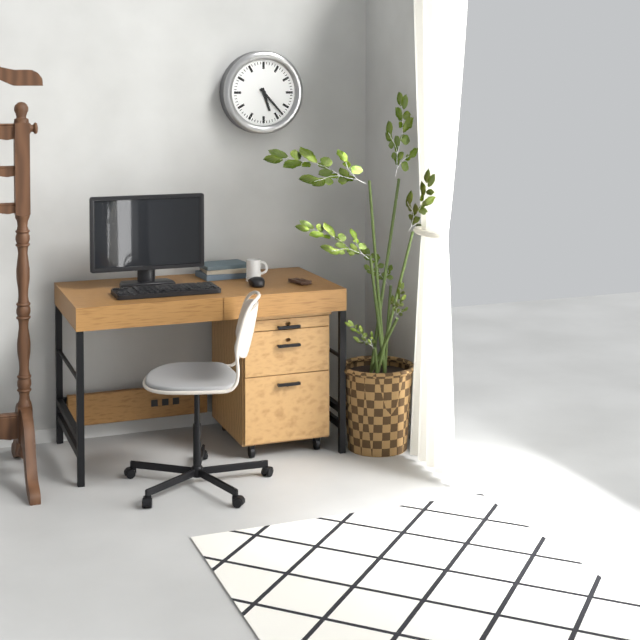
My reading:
5 h 23 min
